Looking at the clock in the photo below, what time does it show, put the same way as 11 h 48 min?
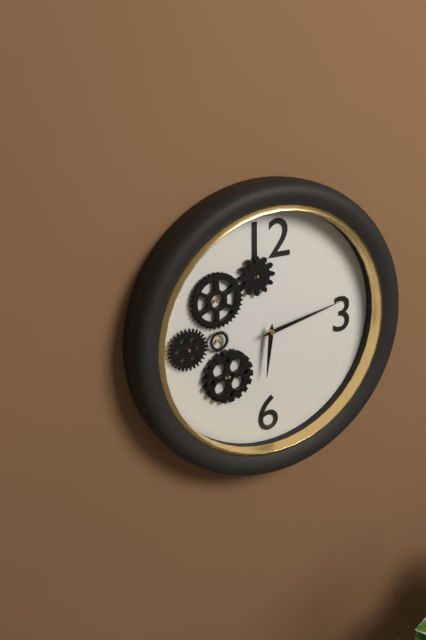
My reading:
6 h 13 min
